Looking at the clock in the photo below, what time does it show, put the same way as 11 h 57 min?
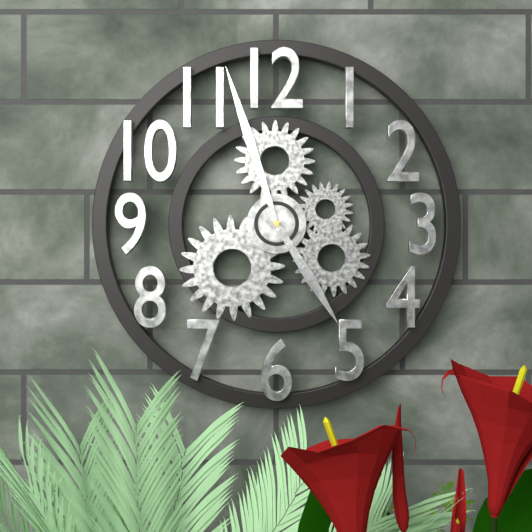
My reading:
4 h 57 min
